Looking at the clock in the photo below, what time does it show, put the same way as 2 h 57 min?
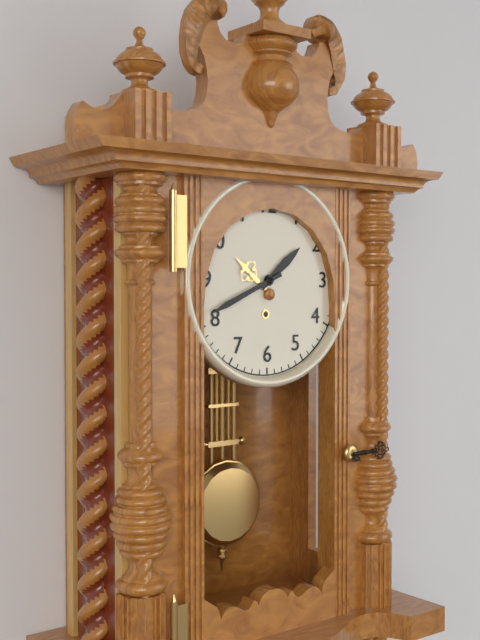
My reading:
1 h 41 min
